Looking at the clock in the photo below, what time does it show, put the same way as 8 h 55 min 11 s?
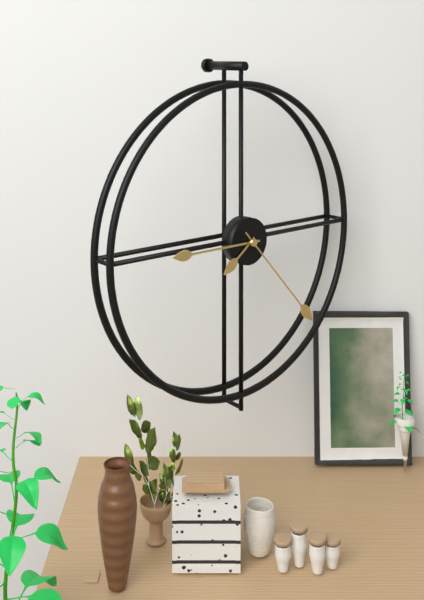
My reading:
7 h 45 min 23 s
